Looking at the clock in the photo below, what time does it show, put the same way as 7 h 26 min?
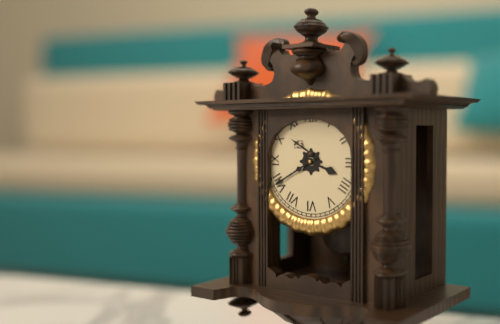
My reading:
3 h 40 min
